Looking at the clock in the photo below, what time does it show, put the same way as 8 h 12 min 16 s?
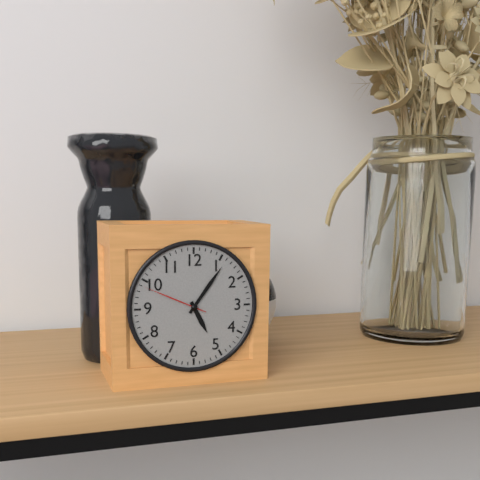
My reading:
5 h 06 min 49 s
